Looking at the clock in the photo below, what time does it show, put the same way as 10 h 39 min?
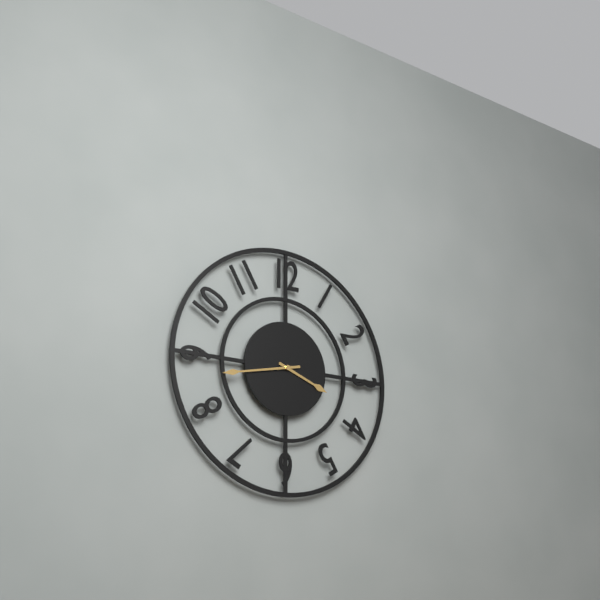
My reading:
3 h 43 min
